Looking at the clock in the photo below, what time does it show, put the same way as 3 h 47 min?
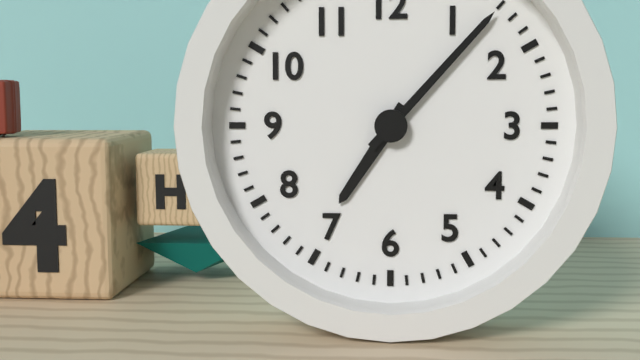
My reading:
7 h 07 min
